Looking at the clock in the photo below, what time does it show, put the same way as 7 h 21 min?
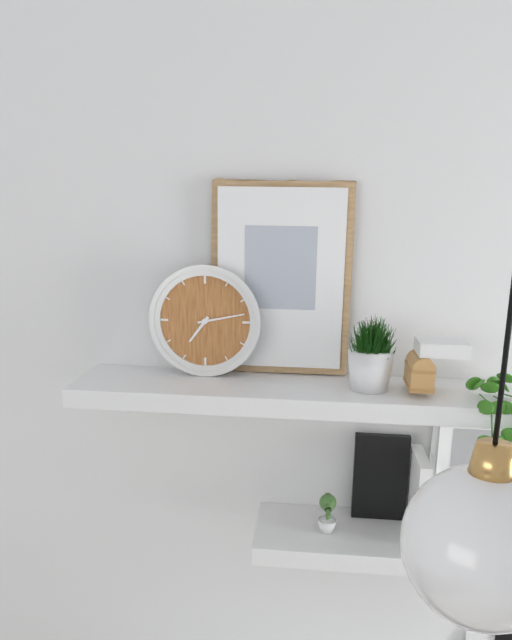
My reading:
7 h 13 min
